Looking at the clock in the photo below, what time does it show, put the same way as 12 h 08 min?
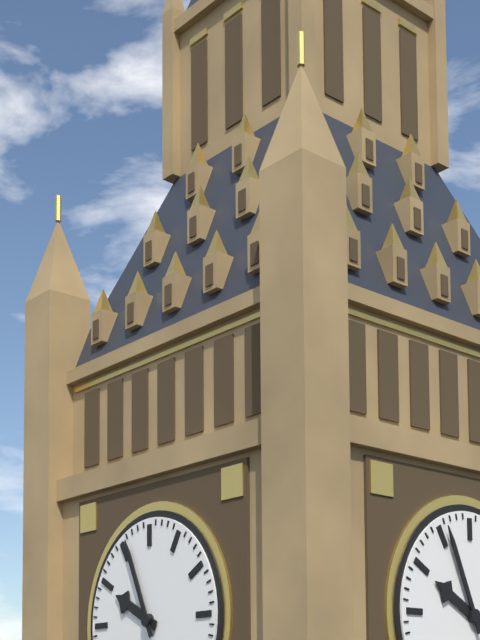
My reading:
9 h 56 min
